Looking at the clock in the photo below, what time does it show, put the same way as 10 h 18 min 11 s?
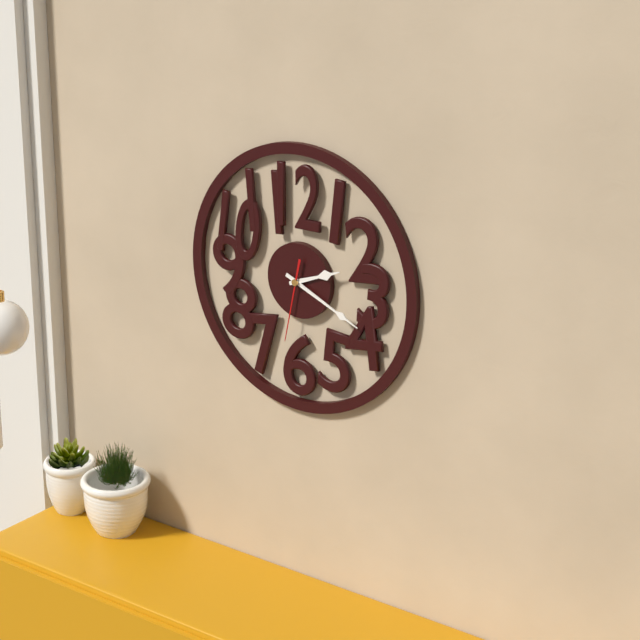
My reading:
2 h 19 min 32 s
